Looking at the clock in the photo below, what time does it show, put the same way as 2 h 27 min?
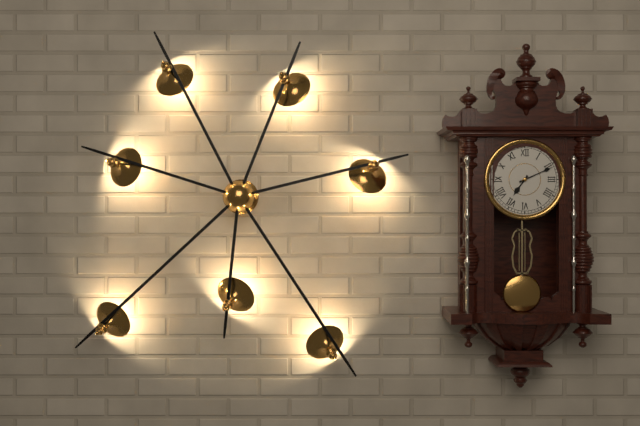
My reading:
7 h 11 min
